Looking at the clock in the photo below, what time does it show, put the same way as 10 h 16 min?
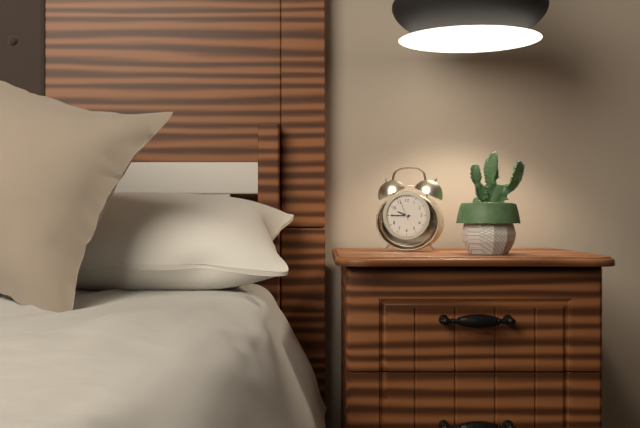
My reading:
9 h 45 min
